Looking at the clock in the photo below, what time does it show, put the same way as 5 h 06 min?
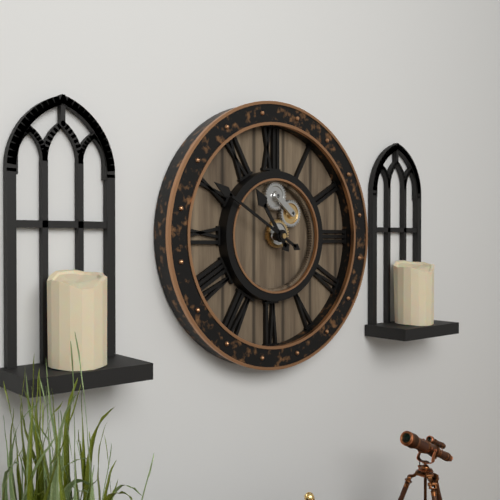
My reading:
10 h 50 min
